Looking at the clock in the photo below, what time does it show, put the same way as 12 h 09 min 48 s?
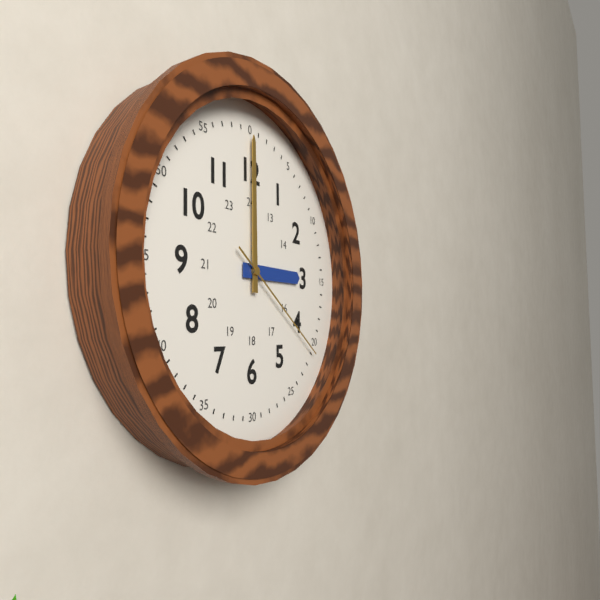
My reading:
3 h 00 min 21 s
